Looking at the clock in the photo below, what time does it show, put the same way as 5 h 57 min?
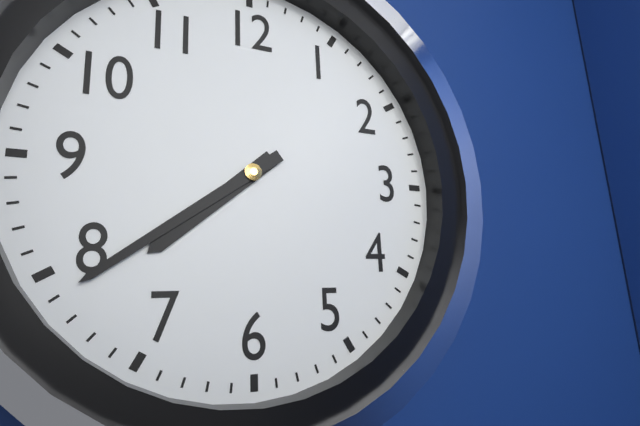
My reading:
7 h 39 min
